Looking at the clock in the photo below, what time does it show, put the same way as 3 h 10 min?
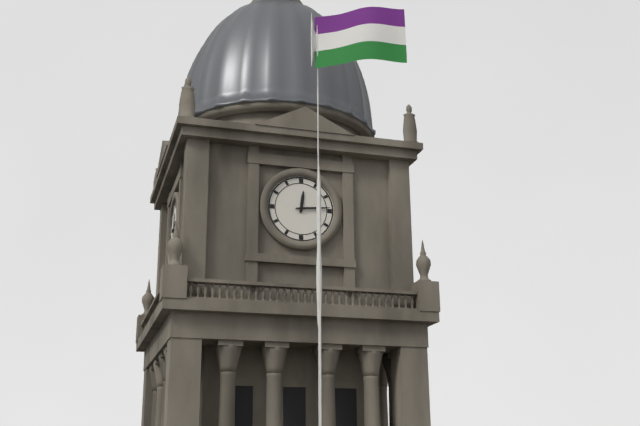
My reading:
12 h 14 min
